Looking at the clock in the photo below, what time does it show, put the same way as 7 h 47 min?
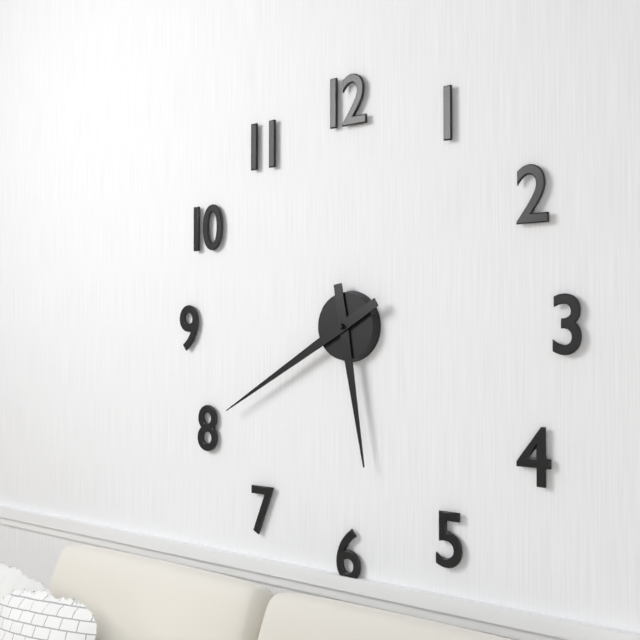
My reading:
5 h 40 min
